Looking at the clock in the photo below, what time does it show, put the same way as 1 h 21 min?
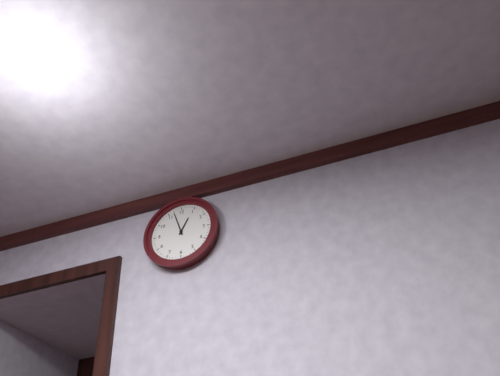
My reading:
12 h 57 min
